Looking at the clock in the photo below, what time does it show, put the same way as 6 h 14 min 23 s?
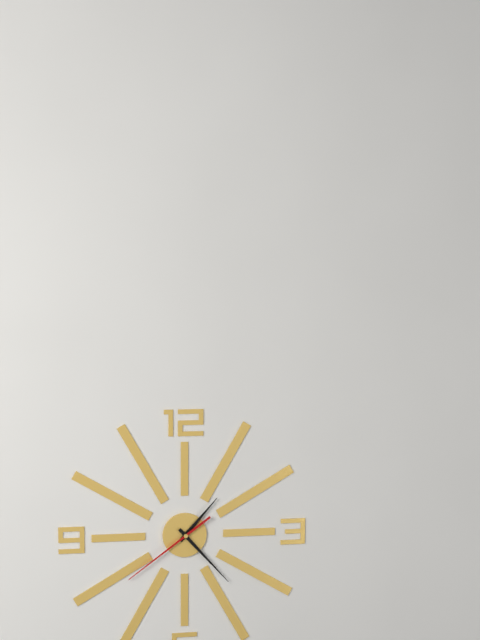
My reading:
1 h 23 min 39 s
